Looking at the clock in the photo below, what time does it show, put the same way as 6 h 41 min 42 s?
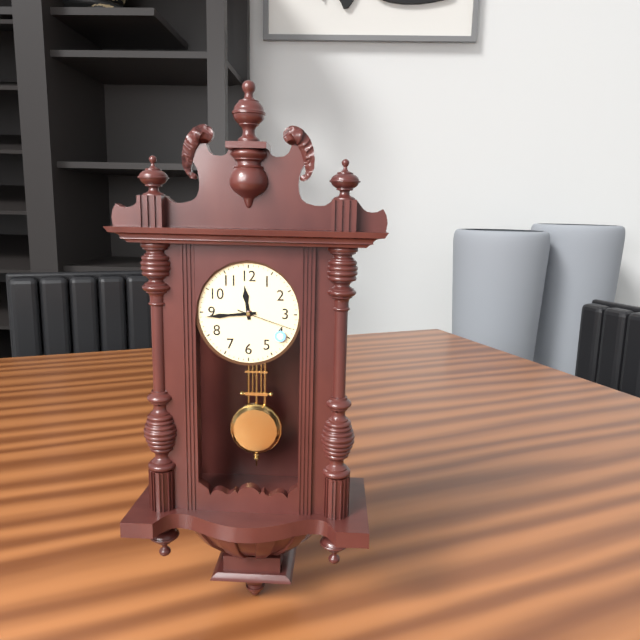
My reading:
11 h 44 min 18 s
